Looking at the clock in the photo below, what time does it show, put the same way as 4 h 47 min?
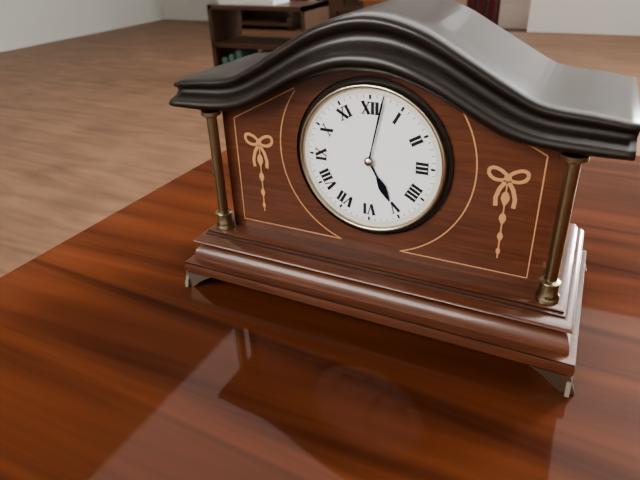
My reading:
5 h 02 min
